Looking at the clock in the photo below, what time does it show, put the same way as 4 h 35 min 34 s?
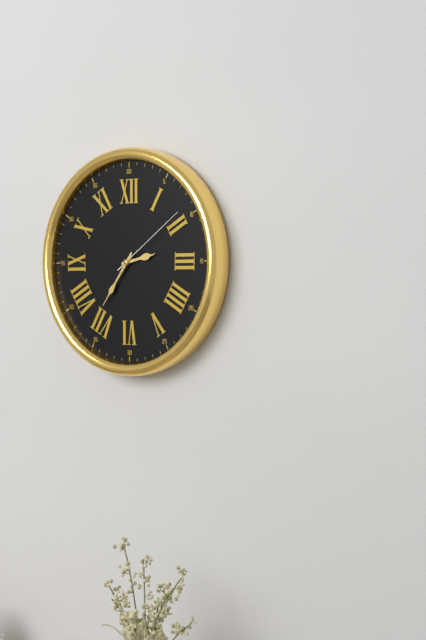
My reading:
2 h 36 min 09 s
